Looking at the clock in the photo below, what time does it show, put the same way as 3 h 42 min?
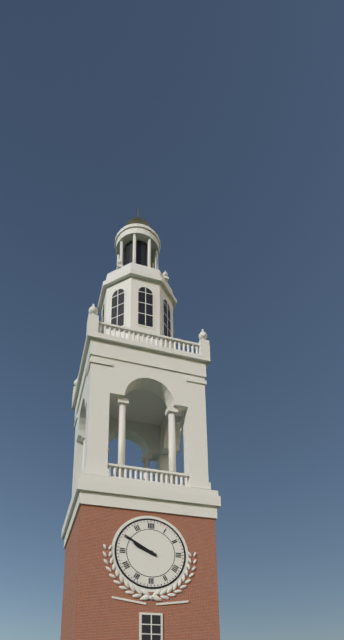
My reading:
9 h 50 min
